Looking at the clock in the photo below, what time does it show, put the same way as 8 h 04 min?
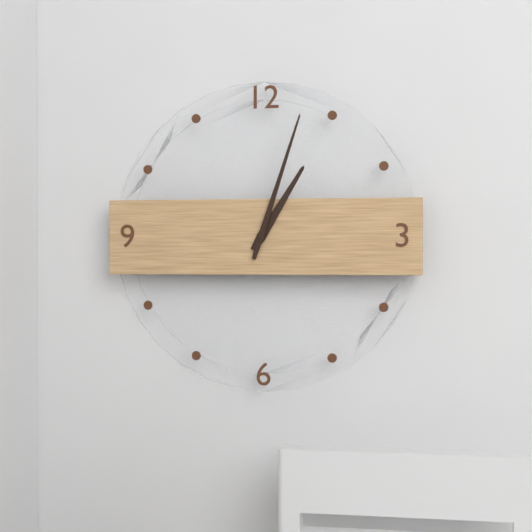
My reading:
1 h 03 min
